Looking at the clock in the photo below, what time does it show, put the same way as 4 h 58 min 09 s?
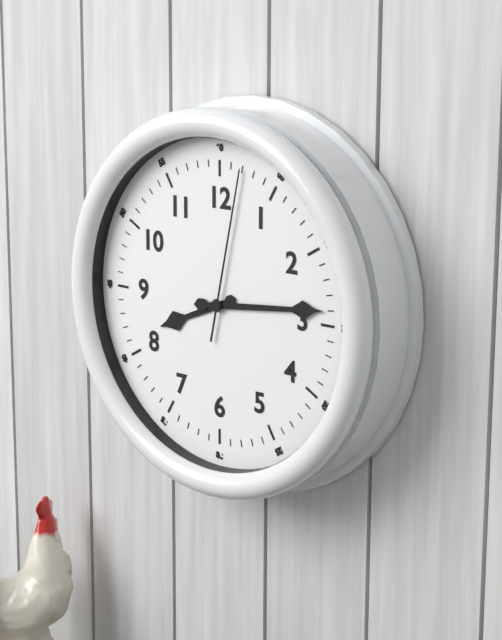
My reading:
8 h 14 min 02 s
